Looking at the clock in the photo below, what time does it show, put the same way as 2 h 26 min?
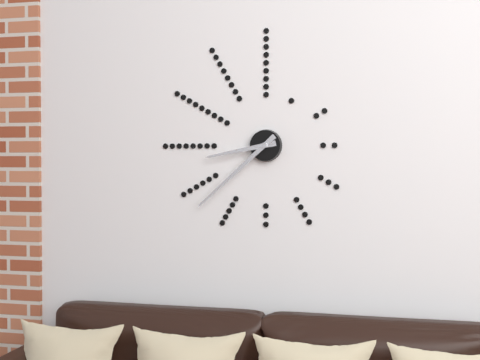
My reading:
8 h 38 min
